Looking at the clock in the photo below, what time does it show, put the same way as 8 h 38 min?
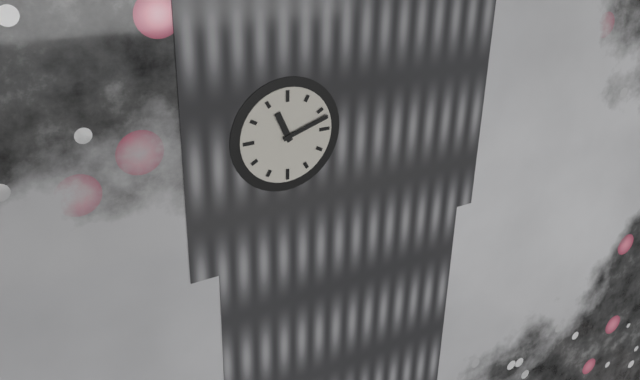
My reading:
11 h 12 min
